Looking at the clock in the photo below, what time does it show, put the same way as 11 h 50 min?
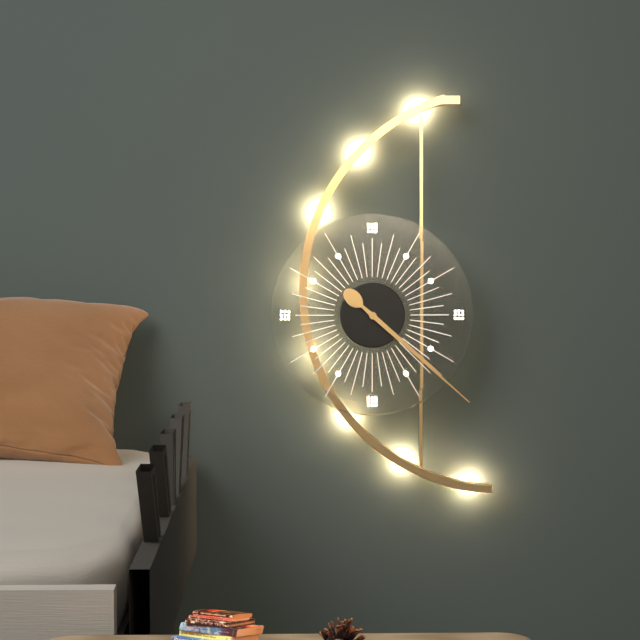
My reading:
4 h 22 min
